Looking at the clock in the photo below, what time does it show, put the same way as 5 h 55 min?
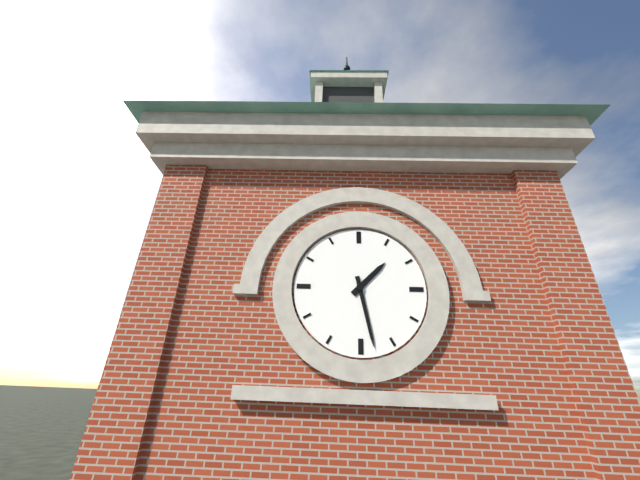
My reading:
1 h 28 min
